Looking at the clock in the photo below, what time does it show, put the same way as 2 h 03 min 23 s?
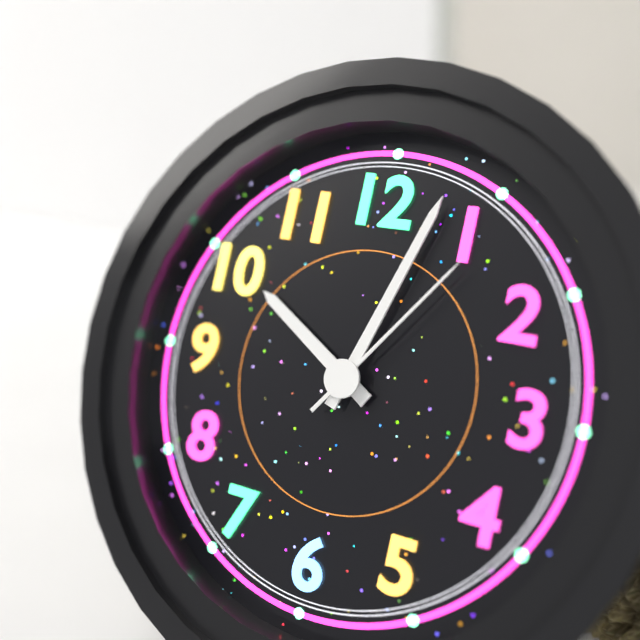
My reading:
10 h 03 min 06 s
